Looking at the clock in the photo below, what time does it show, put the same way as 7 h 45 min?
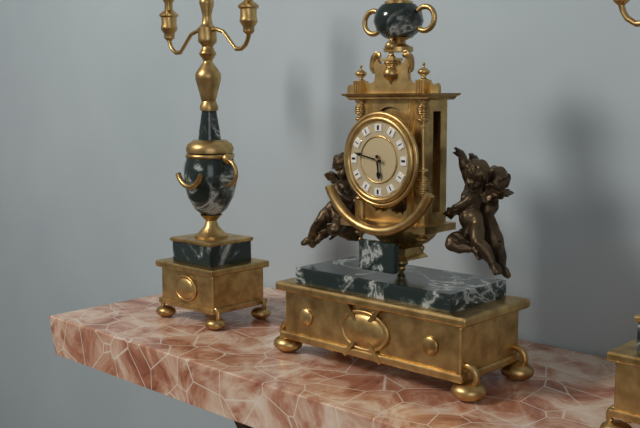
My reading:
5 h 47 min
